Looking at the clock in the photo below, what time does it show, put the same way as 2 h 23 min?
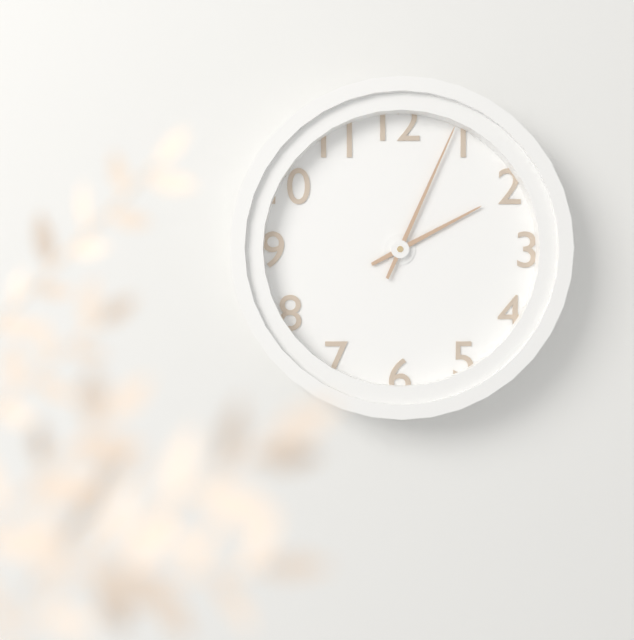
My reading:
2 h 04 min
